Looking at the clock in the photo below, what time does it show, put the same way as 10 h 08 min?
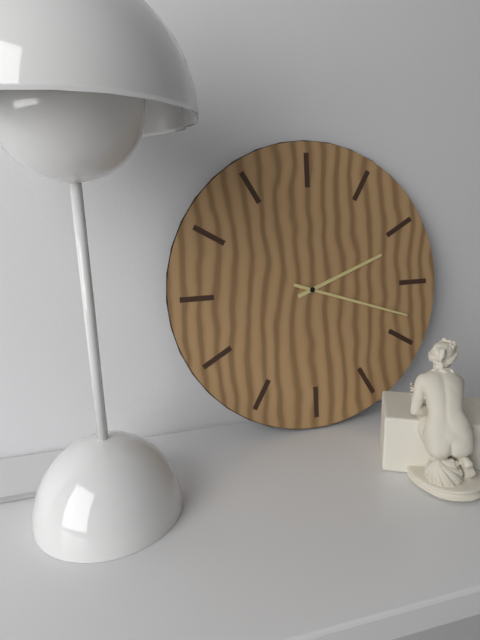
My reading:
2 h 18 min
